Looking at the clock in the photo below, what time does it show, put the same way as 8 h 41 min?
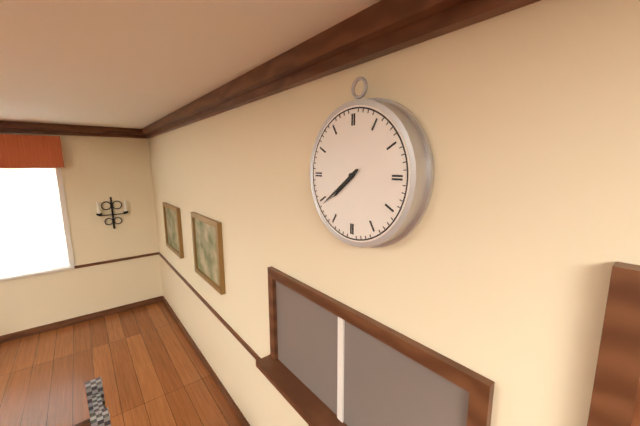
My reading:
7 h 39 min
